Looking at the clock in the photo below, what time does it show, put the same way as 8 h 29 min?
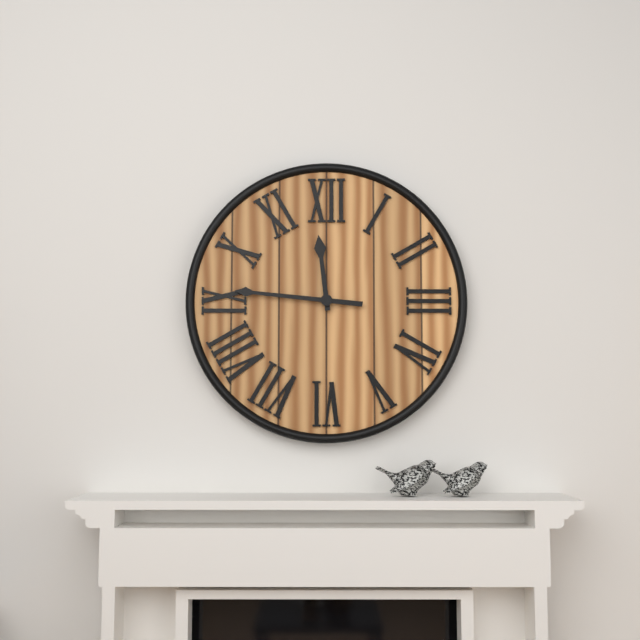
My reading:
11 h 46 min
